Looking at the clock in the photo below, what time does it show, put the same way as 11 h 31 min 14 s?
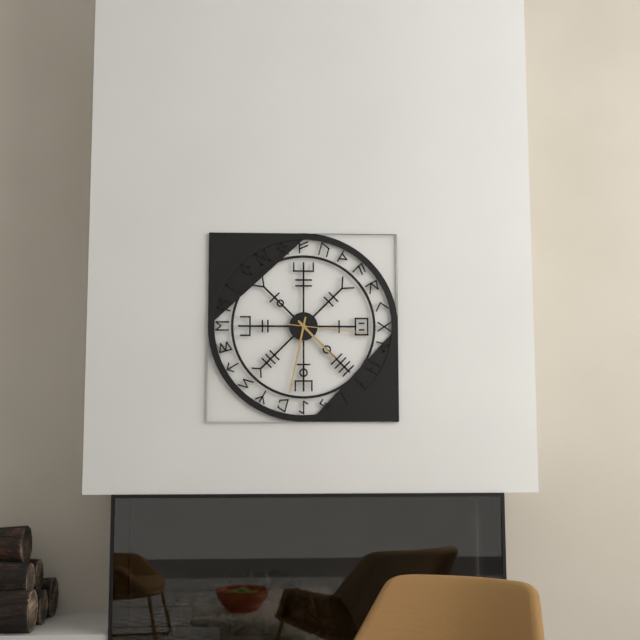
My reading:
4 h 32 min 16 s
